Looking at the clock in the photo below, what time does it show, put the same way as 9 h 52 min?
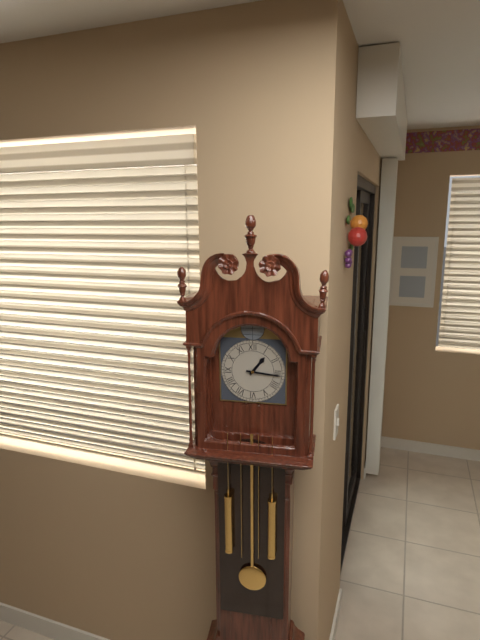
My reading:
1 h 16 min
